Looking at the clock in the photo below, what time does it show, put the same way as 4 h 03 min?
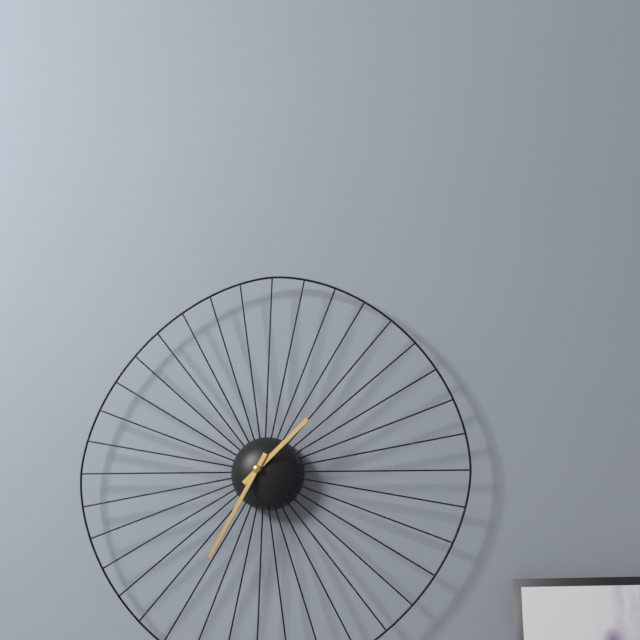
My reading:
1 h 35 min
